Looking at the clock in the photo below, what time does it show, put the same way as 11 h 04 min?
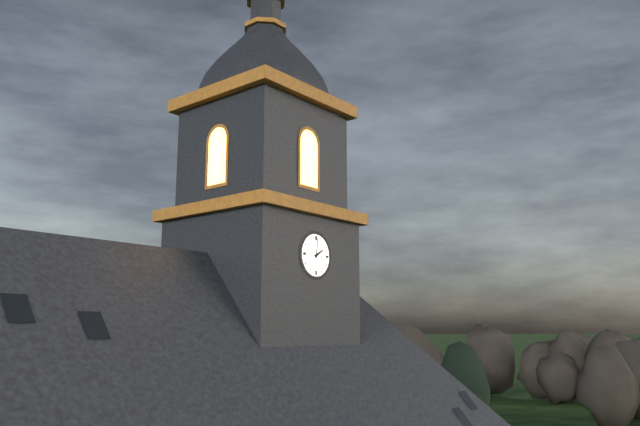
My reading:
2 h 01 min
